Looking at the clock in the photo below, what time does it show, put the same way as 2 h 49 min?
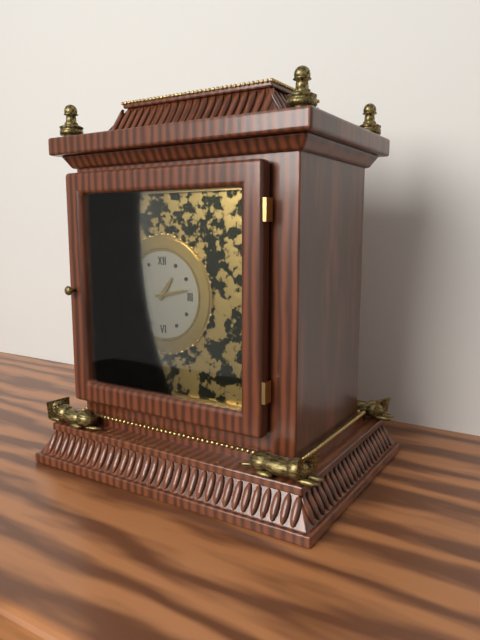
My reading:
1 h 13 min
